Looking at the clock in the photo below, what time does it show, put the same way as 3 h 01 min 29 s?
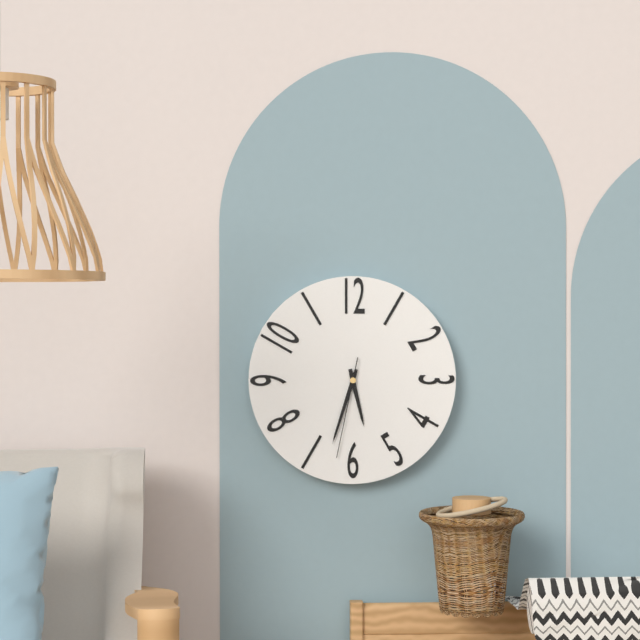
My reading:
5 h 33 min 32 s
